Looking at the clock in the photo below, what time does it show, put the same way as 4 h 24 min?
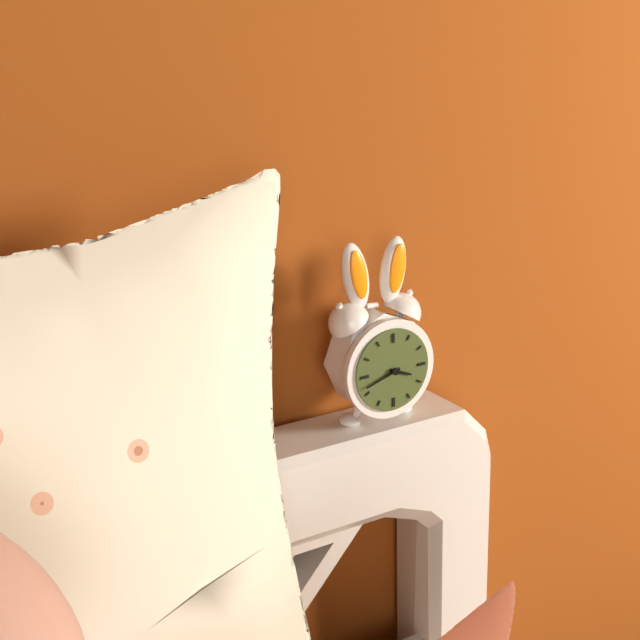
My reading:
3 h 42 min
